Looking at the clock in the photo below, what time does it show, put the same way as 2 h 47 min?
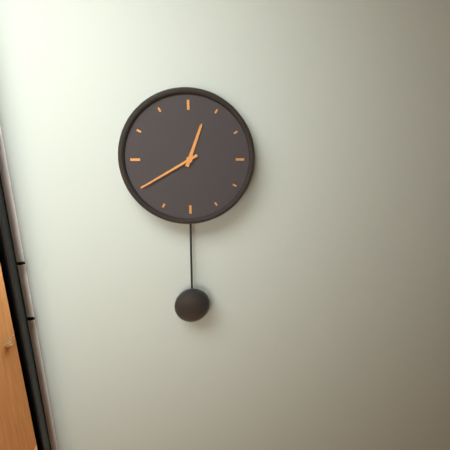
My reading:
12 h 40 min
